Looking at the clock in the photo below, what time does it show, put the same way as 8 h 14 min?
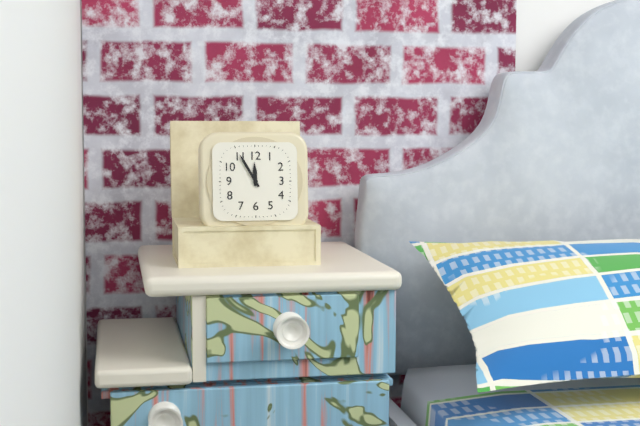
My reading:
11 h 55 min
